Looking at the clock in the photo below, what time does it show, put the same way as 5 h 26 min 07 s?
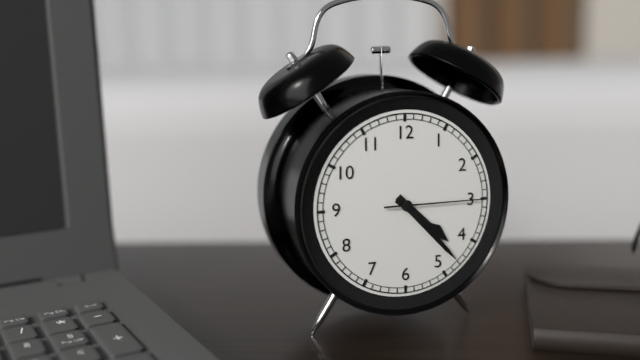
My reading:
4 h 23 min 15 s
